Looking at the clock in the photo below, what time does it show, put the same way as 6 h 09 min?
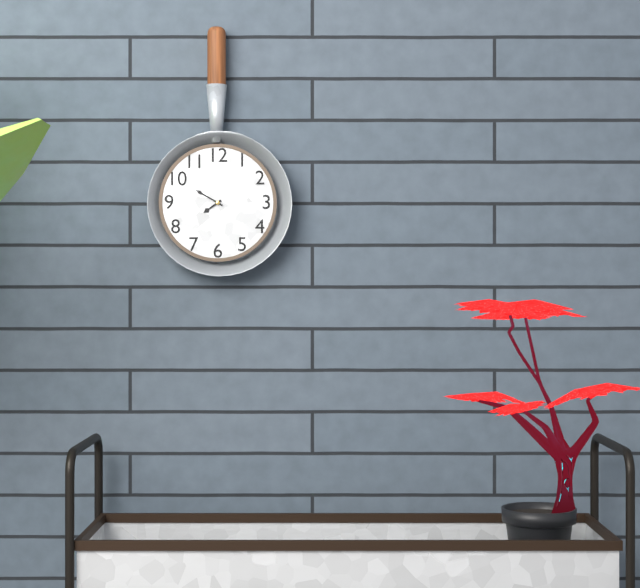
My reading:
7 h 50 min
